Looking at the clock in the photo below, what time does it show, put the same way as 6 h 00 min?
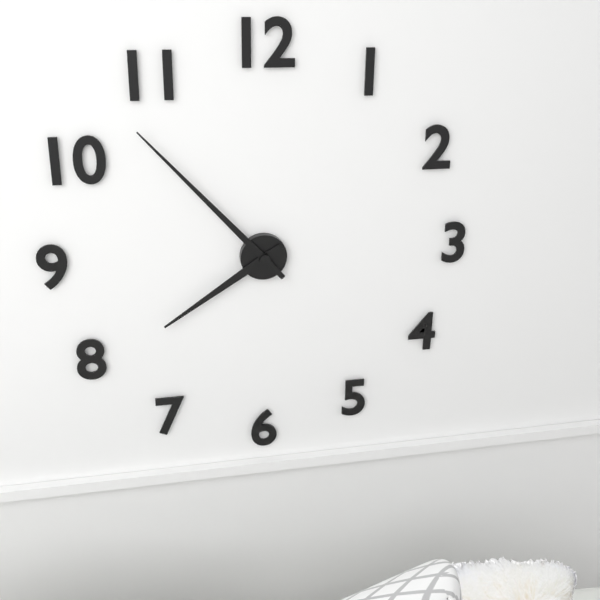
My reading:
7 h 53 min
